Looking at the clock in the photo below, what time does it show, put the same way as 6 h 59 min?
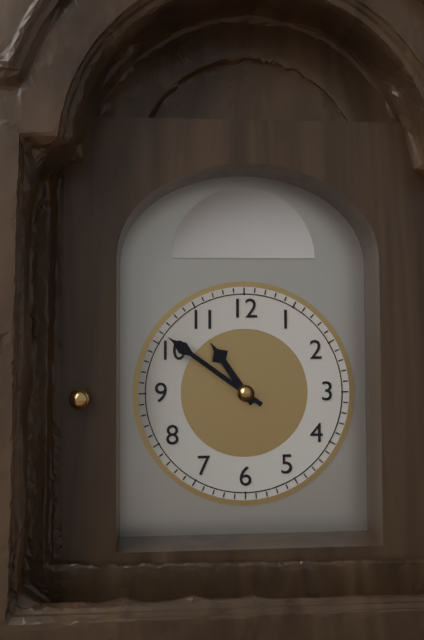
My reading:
10 h 51 min
